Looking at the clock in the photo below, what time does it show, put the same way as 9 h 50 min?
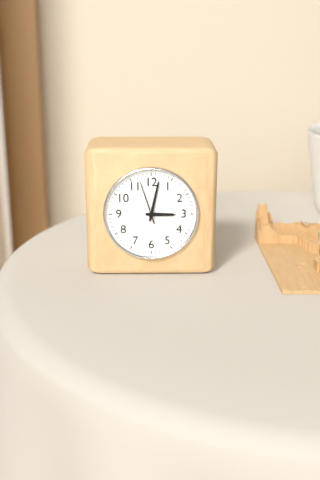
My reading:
3 h 02 min
